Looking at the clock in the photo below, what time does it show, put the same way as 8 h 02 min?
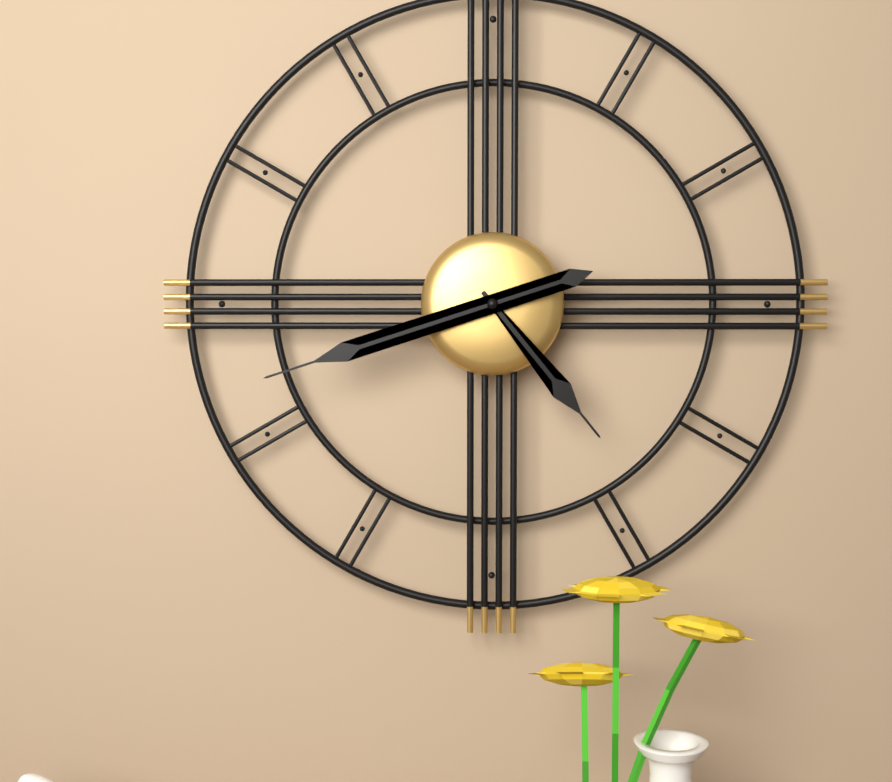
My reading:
4 h 42 min
